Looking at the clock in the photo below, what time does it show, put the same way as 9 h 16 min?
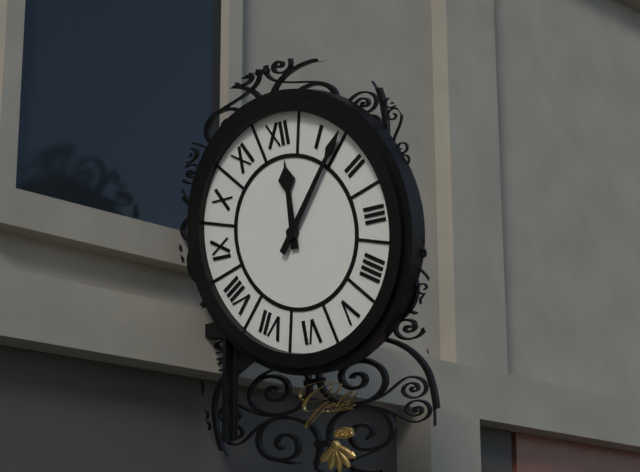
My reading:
12 h 07 min
